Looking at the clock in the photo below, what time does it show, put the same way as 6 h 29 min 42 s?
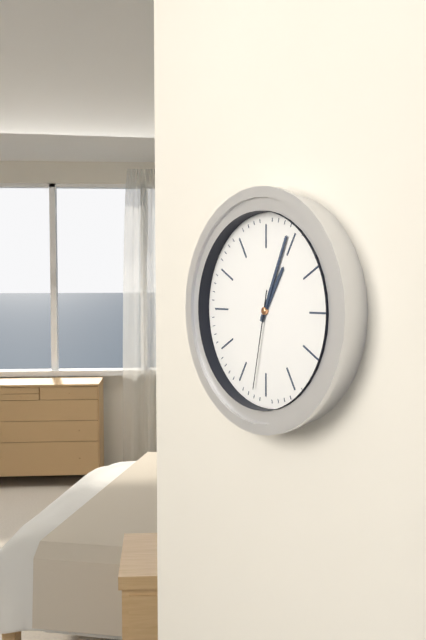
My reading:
1 h 04 min 32 s
